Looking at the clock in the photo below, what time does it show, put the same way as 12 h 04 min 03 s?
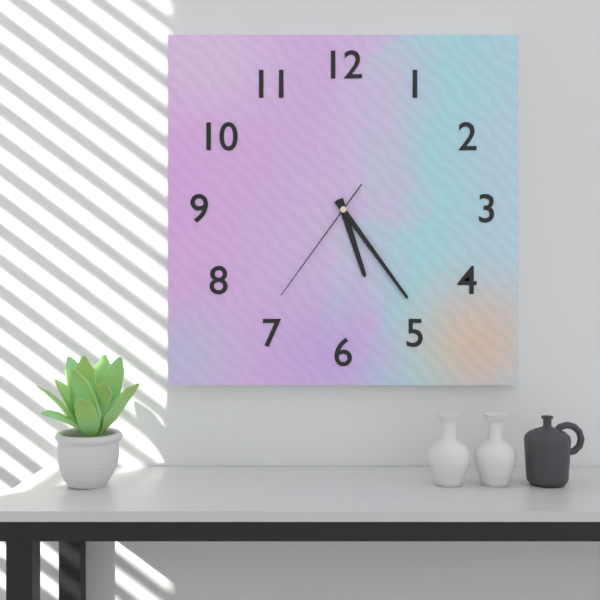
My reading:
5 h 24 min 36 s
